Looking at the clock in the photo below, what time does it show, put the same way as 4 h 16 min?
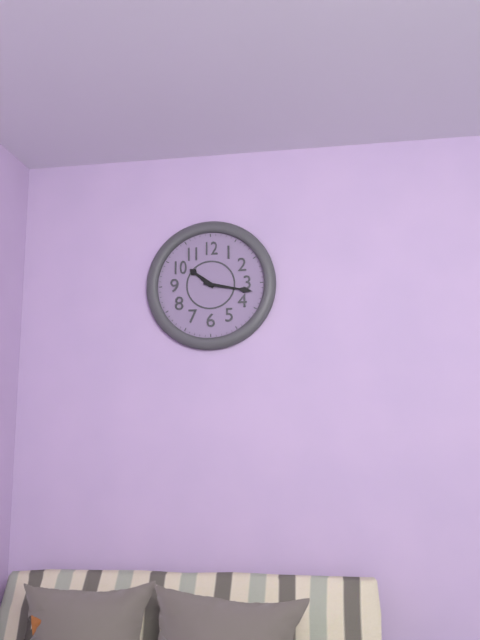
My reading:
10 h 17 min
